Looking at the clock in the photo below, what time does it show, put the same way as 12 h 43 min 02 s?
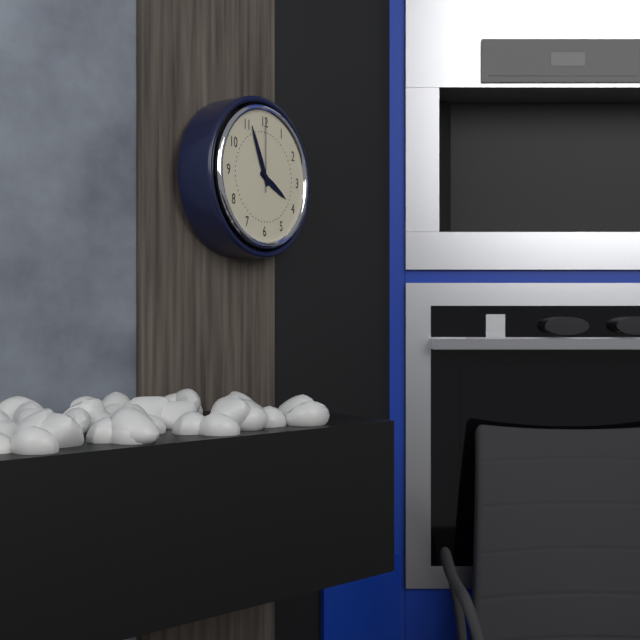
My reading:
3 h 56 min 00 s
